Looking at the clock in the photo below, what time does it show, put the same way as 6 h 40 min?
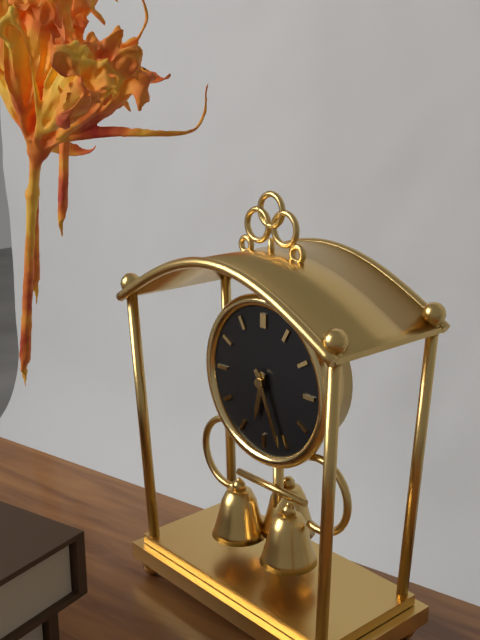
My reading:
6 h 26 min
